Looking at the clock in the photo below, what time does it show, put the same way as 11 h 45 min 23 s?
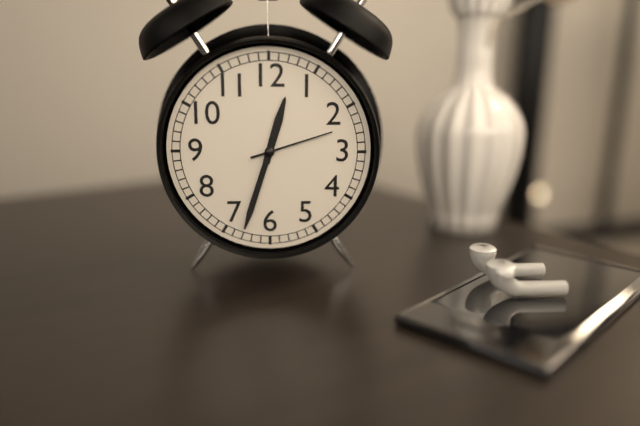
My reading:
12 h 33 min 12 s
